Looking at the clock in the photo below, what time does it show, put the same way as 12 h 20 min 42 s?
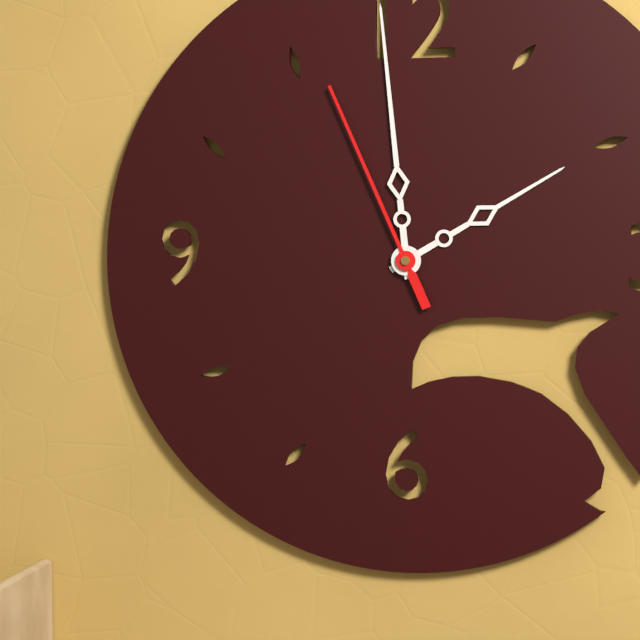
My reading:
1 h 59 min 56 s
